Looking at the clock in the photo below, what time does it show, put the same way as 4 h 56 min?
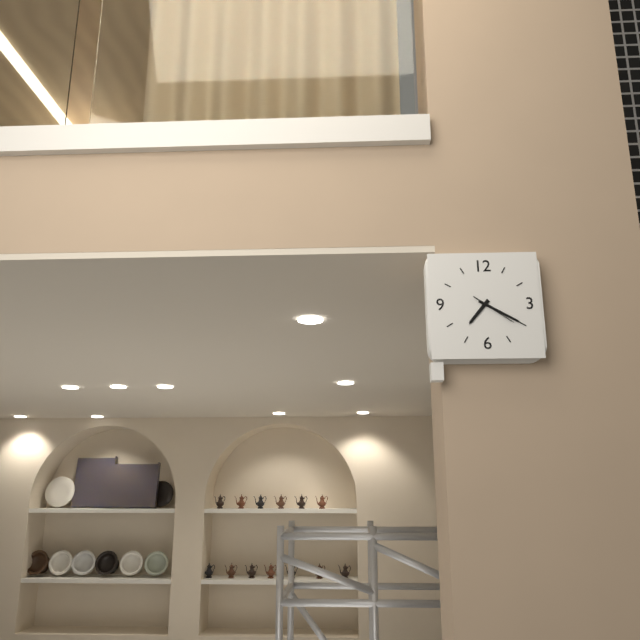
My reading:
7 h 20 min
